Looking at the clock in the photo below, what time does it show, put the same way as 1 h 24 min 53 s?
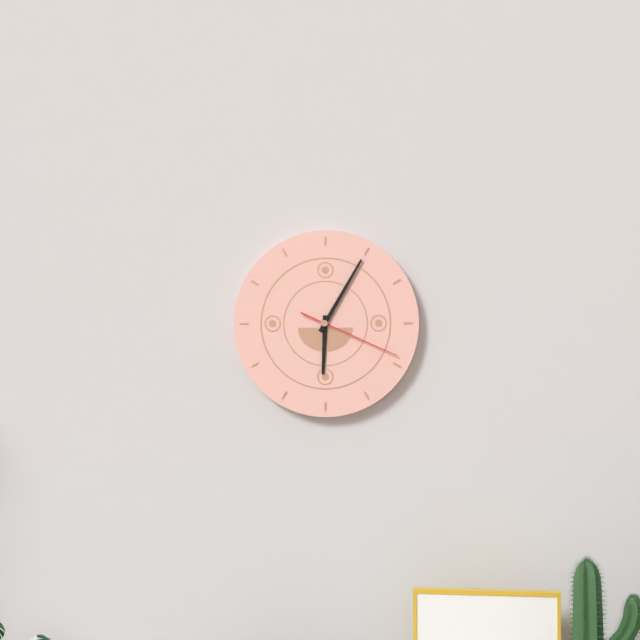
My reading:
6 h 05 min 19 s
